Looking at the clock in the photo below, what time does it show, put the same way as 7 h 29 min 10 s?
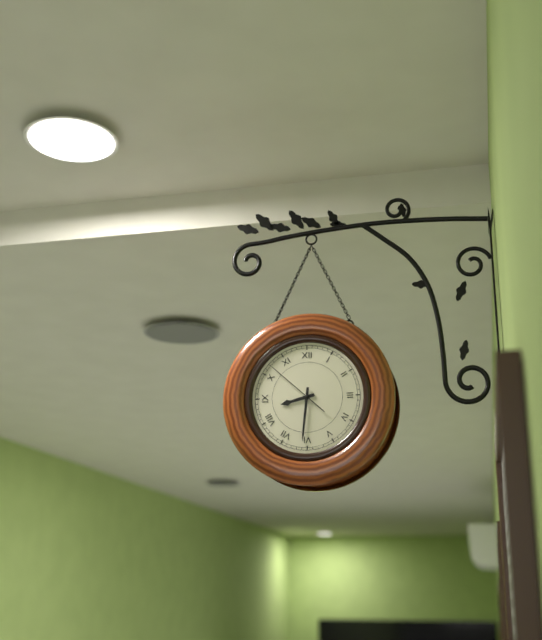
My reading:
8 h 31 min 52 s
